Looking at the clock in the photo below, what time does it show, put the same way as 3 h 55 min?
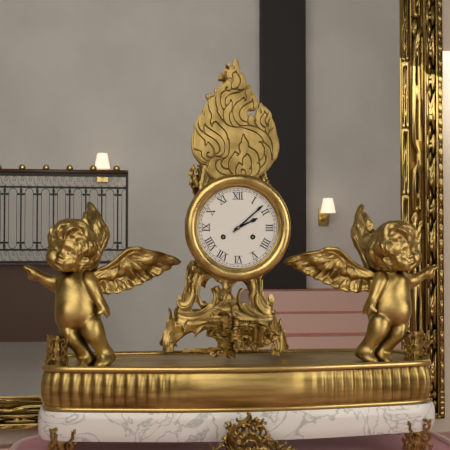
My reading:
2 h 08 min
